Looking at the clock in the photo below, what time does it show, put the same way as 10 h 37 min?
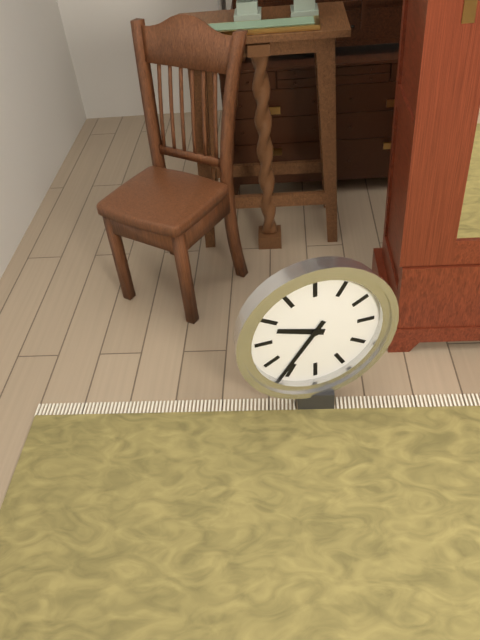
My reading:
9 h 36 min
